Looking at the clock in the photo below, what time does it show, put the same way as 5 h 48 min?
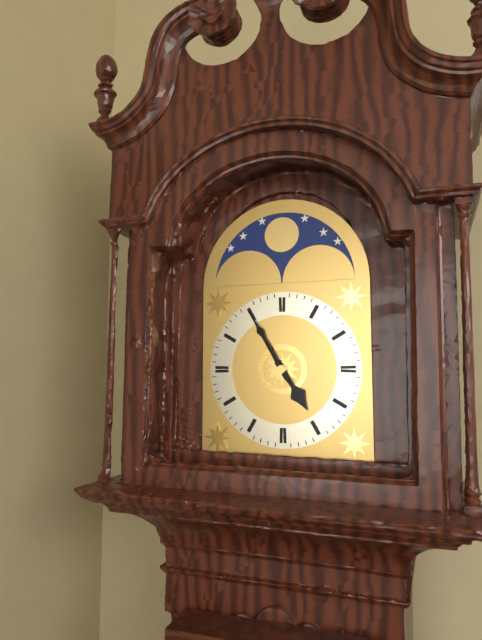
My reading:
4 h 55 min
